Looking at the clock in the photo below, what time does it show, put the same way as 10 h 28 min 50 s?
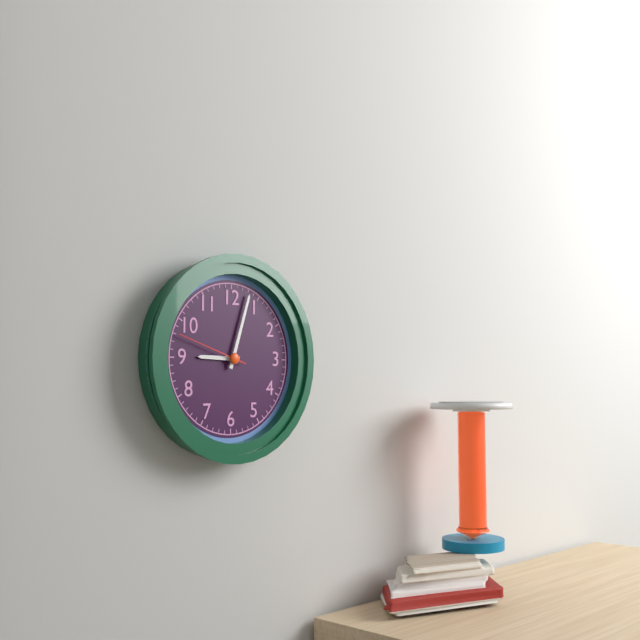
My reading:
9 h 03 min 48 s
